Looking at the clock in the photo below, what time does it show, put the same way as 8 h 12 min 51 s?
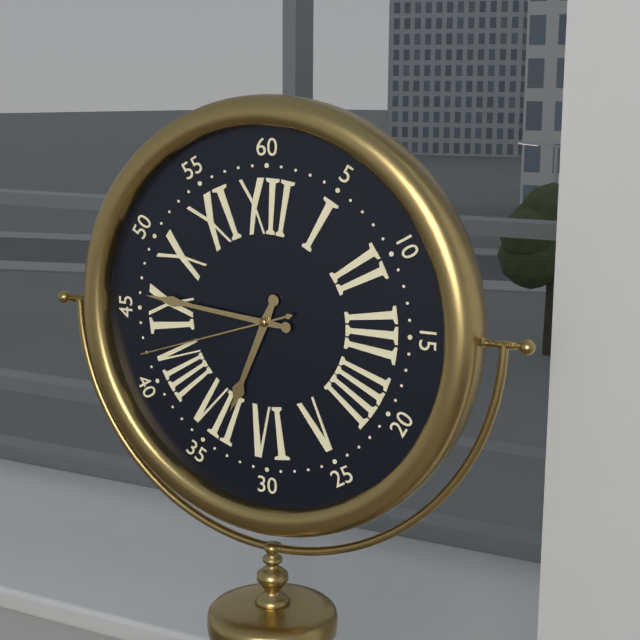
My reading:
6 h 46 min 42 s
